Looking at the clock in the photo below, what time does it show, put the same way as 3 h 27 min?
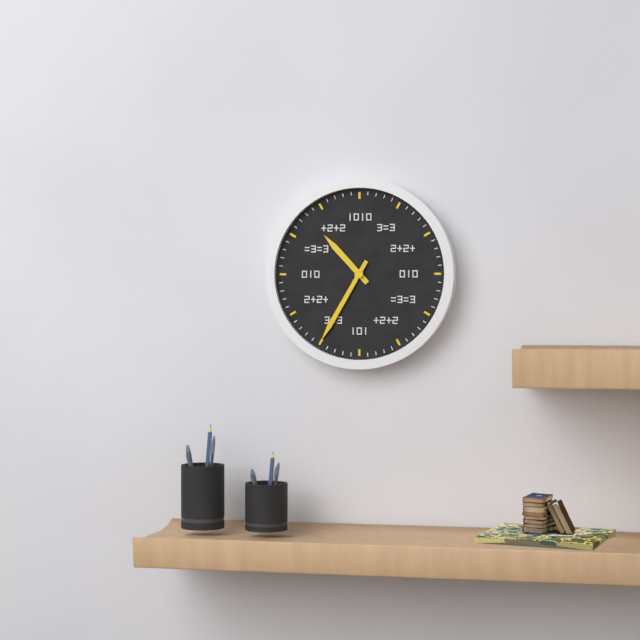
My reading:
10 h 35 min
